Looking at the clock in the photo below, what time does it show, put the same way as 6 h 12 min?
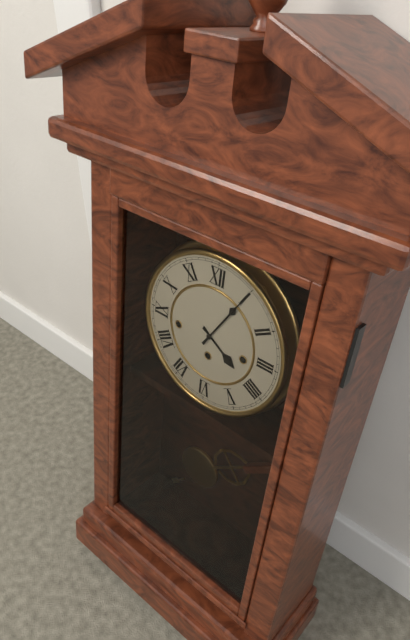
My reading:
4 h 05 min
